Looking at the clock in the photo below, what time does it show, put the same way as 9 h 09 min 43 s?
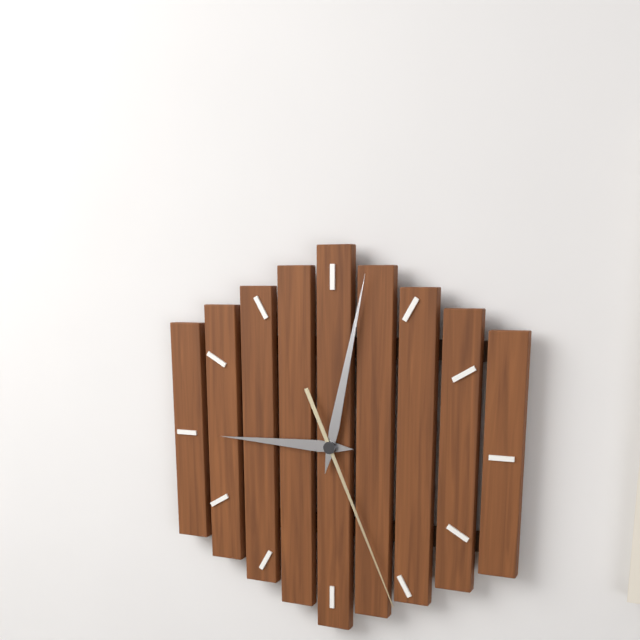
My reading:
9 h 02 min 26 s
